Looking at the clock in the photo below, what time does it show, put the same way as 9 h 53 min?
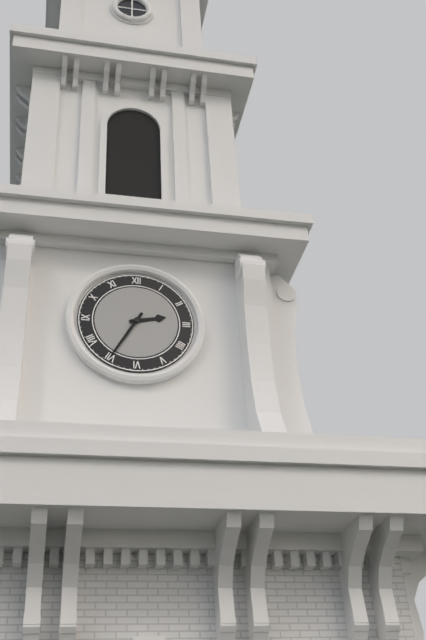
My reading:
2 h 35 min
